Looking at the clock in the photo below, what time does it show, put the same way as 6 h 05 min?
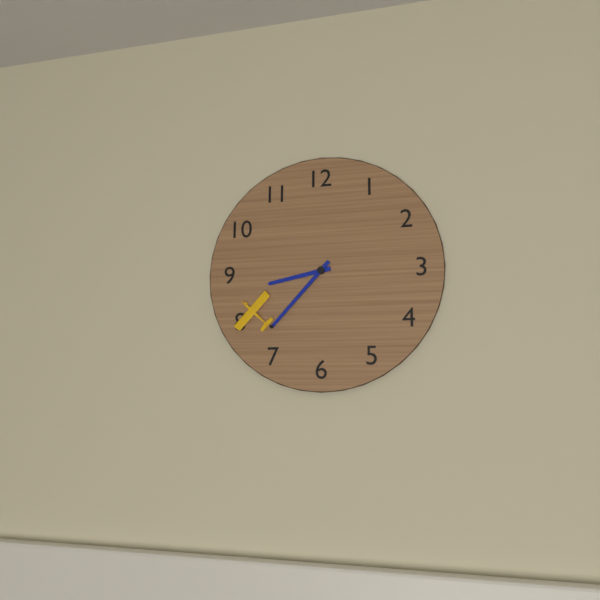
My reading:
8 h 37 min
